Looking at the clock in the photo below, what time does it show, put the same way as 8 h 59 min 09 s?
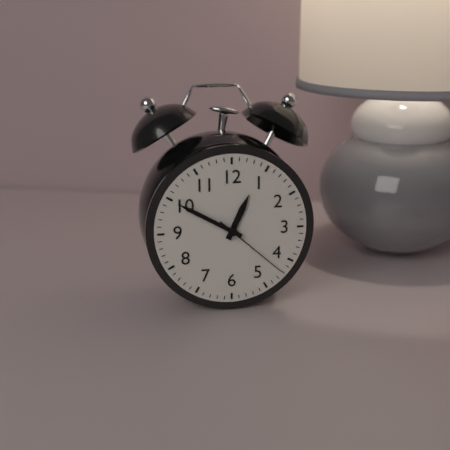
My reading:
12 h 50 min 22 s
